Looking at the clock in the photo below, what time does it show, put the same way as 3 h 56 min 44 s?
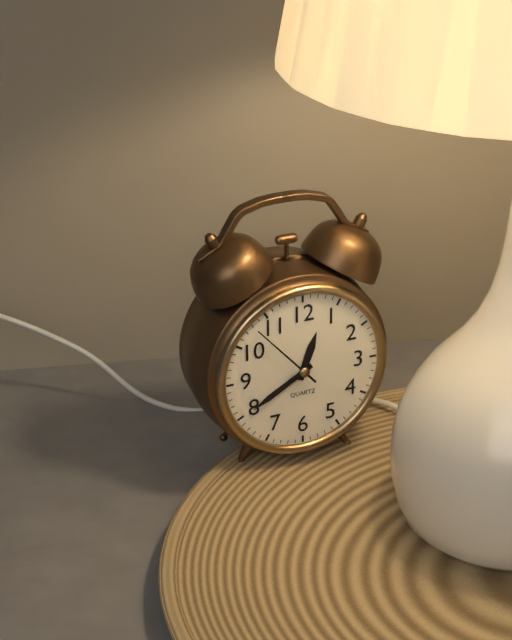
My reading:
12 h 40 min 53 s
